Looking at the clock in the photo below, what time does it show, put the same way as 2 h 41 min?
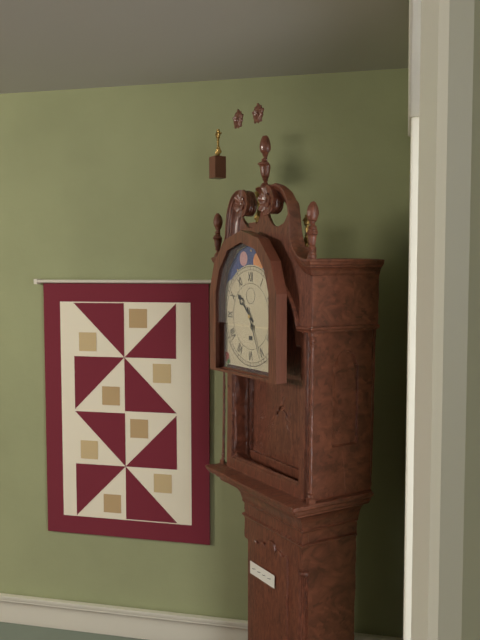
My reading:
10 h 26 min
